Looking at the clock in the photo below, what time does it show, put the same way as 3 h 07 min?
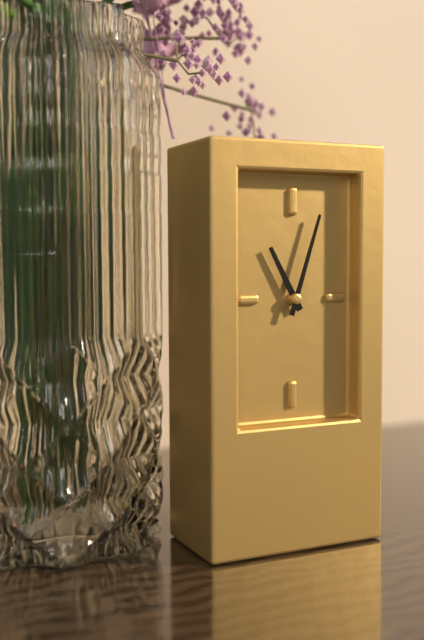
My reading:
11 h 03 min
